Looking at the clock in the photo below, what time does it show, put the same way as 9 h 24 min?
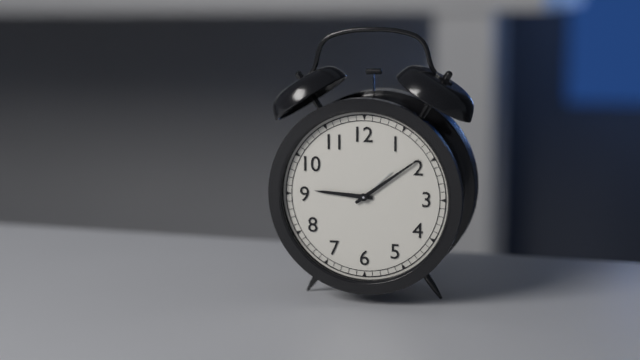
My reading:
9 h 09 min
